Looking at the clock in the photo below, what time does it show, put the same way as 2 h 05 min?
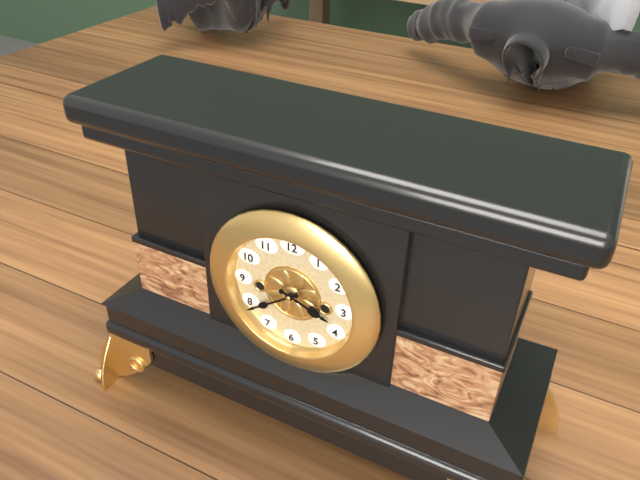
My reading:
3 h 39 min
